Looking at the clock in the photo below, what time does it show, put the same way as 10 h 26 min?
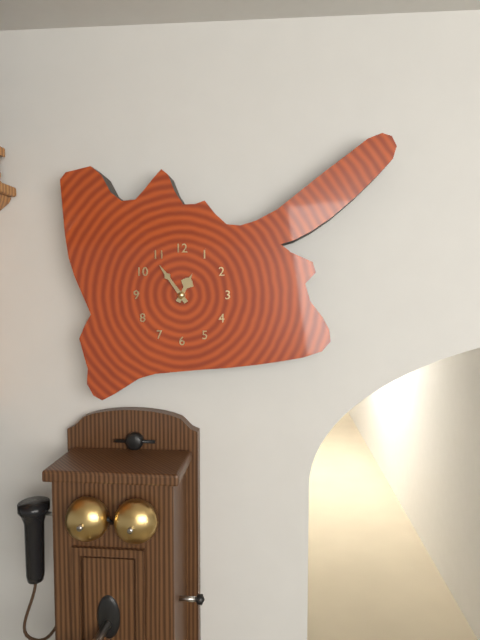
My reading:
12 h 54 min
